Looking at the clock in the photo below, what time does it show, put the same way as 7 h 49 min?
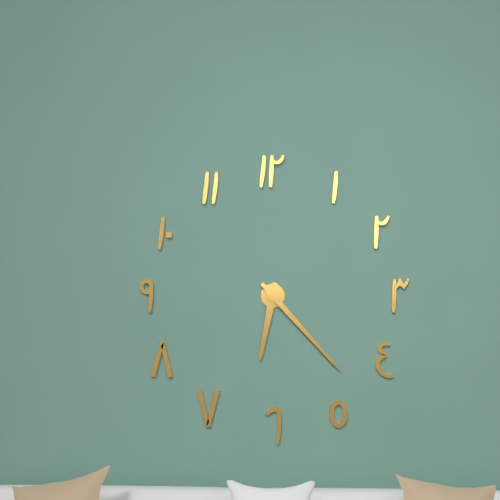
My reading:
6 h 23 min
